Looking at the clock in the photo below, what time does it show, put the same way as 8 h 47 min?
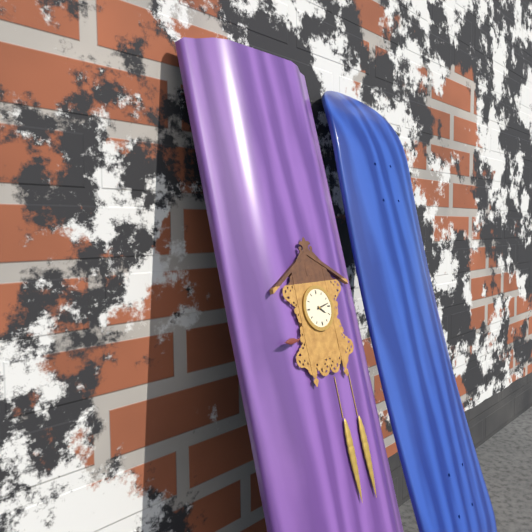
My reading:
4 h 13 min
